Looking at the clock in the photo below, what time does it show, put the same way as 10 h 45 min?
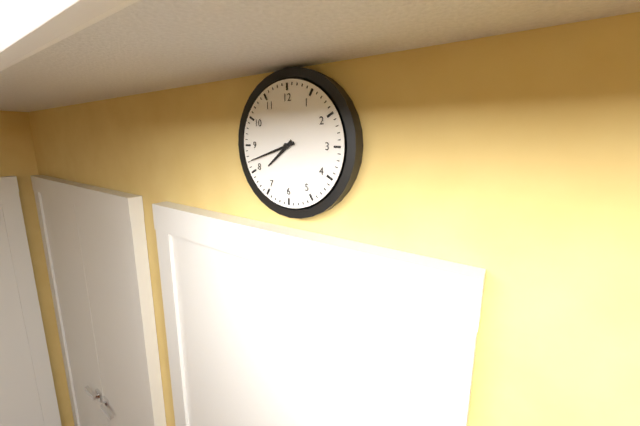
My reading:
7 h 42 min
